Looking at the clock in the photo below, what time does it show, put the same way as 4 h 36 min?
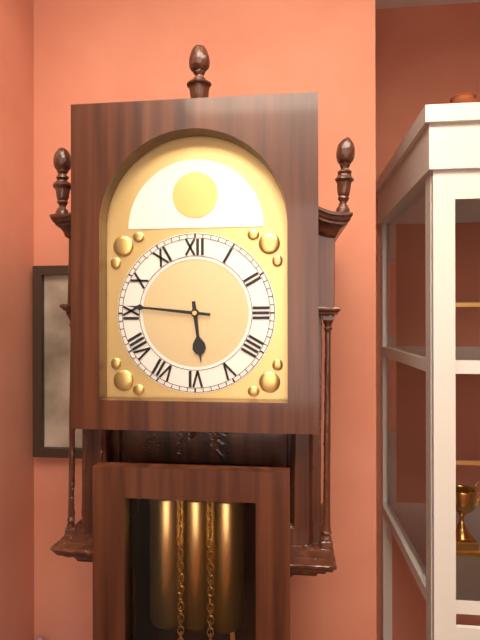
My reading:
5 h 46 min
